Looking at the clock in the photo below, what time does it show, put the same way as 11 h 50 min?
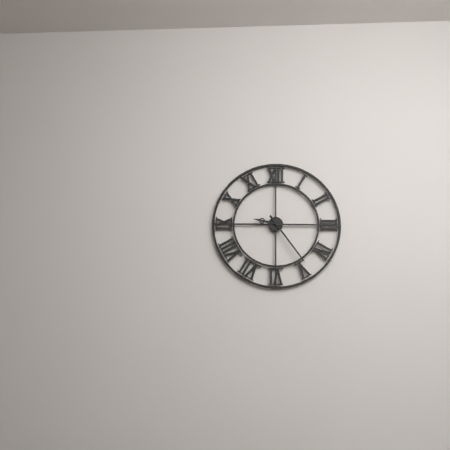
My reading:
9 h 24 min
